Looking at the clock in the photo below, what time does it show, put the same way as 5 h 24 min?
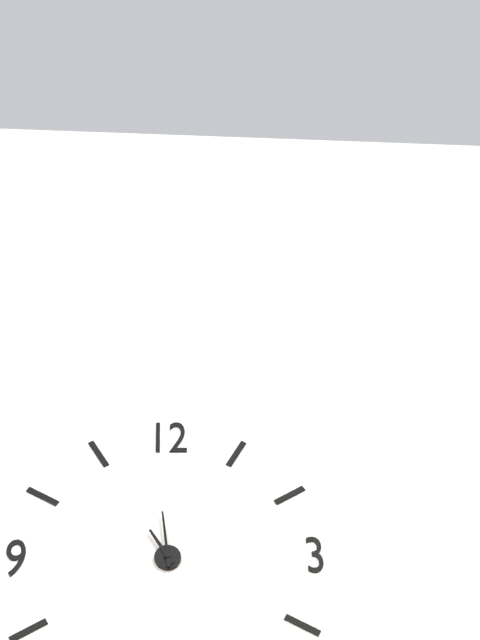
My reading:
10 h 59 min
